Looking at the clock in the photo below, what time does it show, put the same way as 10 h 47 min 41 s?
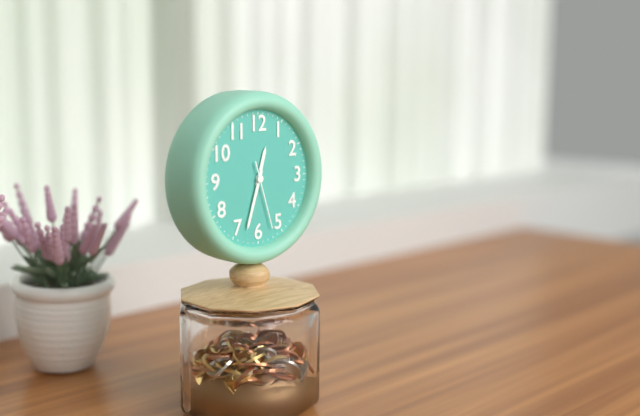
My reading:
12 h 33 min 27 s
